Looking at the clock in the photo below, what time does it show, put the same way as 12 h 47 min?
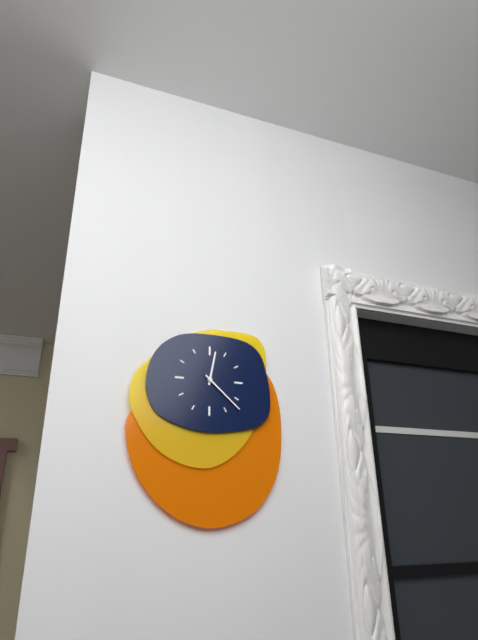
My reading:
12 h 22 min
